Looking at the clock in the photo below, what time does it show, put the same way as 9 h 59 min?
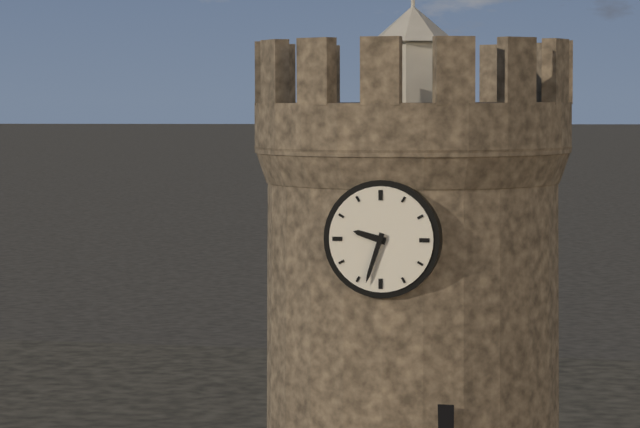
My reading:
9 h 33 min
